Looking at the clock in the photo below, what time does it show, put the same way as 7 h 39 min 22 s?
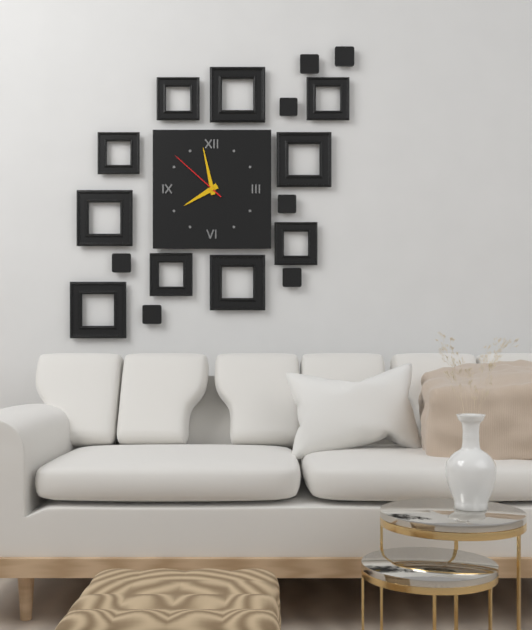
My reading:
7 h 58 min 52 s
